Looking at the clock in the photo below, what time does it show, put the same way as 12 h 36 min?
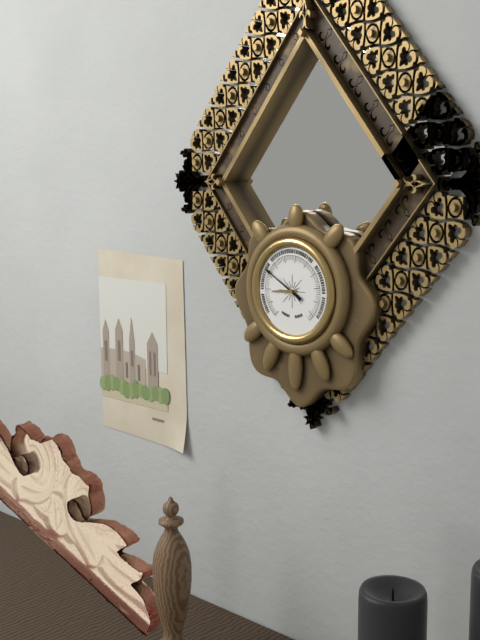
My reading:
8 h 50 min
